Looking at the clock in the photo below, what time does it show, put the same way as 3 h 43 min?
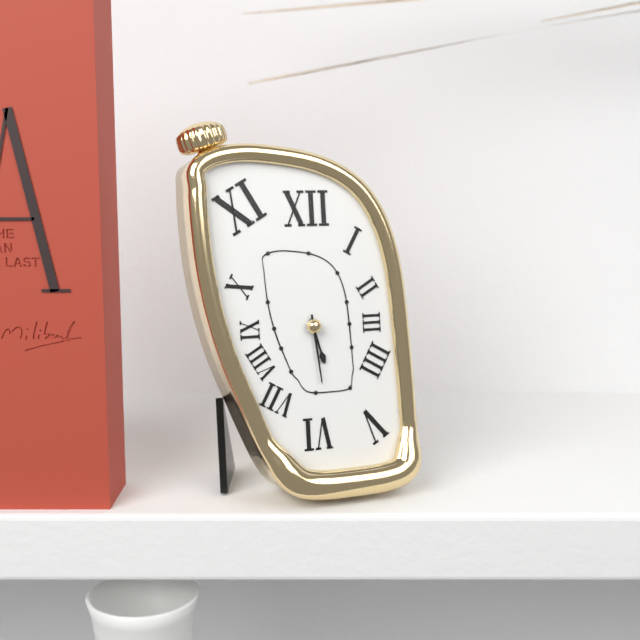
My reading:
5 h 29 min
